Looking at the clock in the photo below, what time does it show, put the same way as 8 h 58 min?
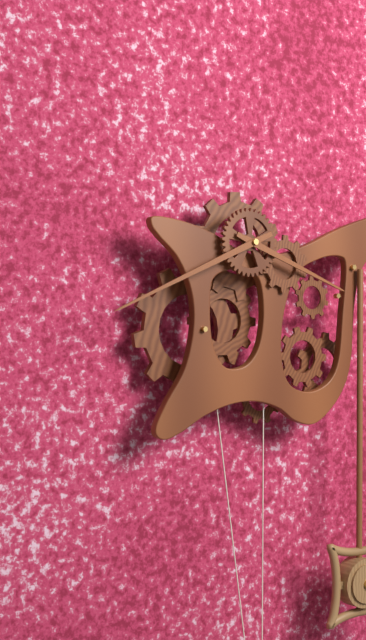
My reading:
3 h 41 min
